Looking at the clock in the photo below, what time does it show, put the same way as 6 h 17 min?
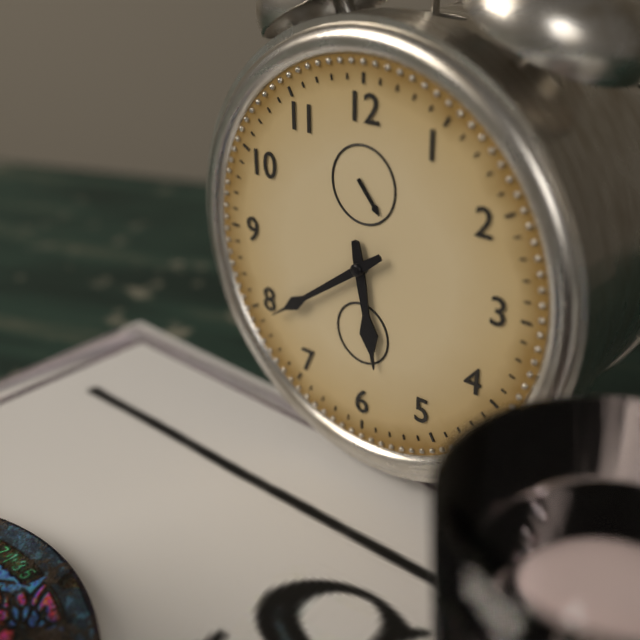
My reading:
5 h 39 min
